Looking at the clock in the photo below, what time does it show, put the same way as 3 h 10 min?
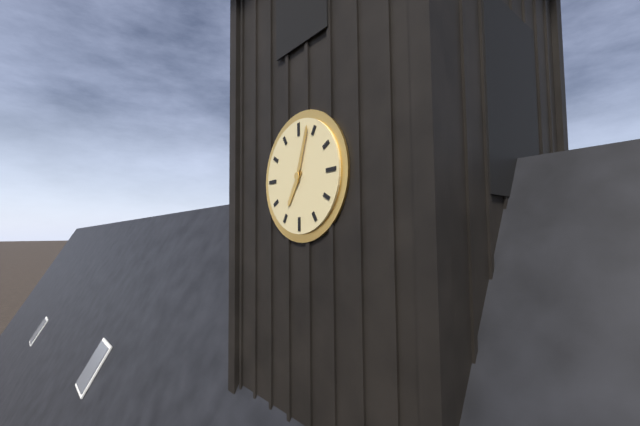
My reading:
7 h 03 min
